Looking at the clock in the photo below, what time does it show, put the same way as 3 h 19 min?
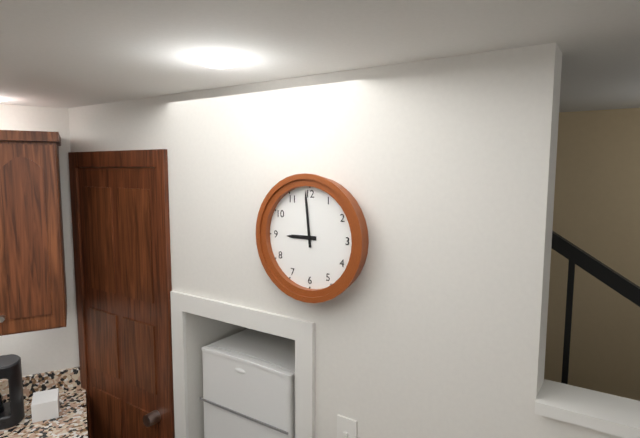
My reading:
8 h 59 min
